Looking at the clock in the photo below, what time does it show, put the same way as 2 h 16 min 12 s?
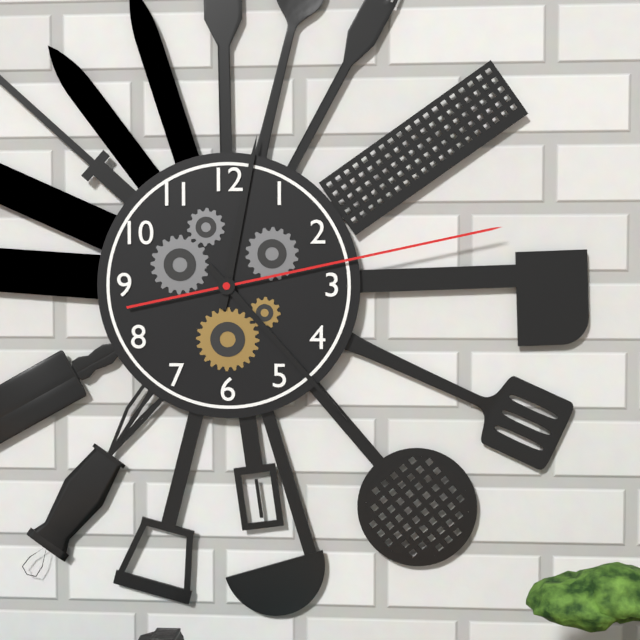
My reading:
12 h 23 min 13 s
